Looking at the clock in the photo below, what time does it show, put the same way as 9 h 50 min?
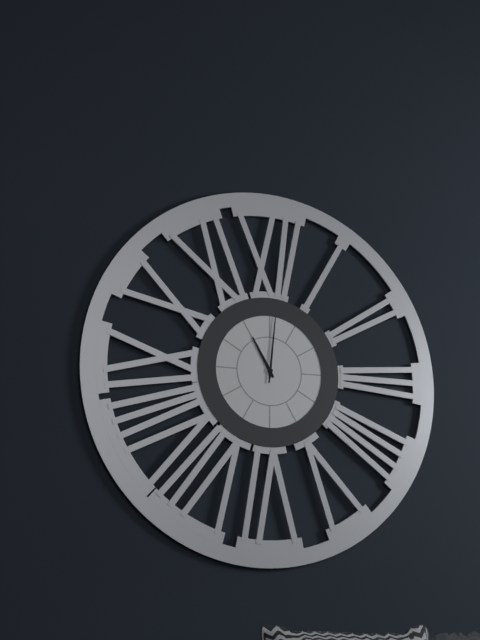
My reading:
11 h 01 min
